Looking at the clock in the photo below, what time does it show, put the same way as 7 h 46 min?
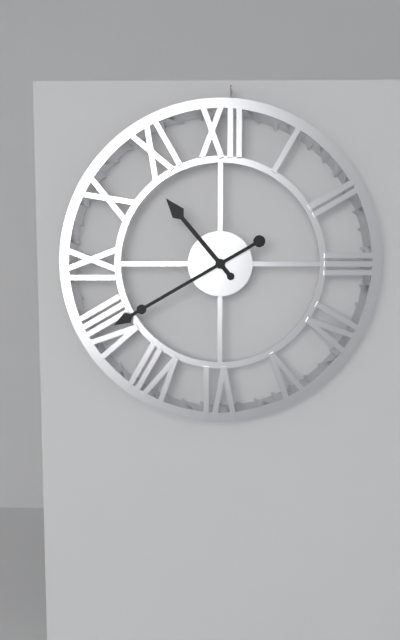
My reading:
10 h 40 min
